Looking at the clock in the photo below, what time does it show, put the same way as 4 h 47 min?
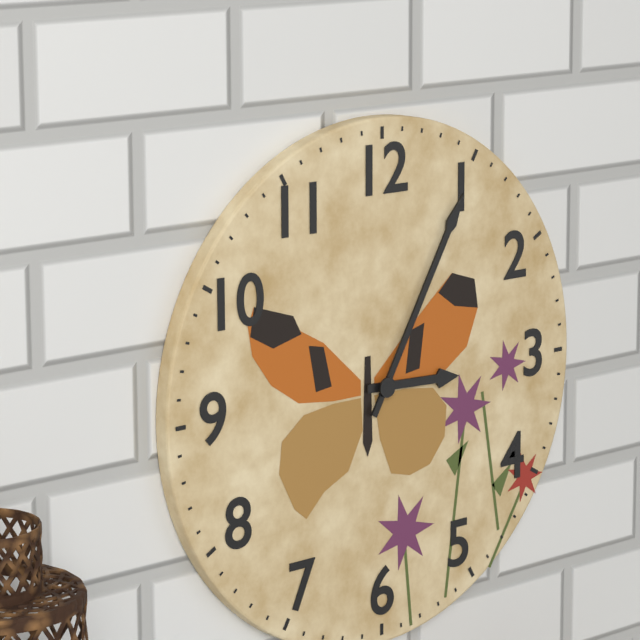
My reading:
3 h 05 min
